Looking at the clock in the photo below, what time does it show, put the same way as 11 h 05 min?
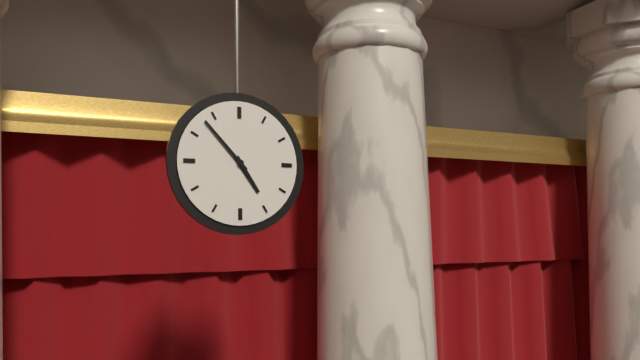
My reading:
4 h 53 min
